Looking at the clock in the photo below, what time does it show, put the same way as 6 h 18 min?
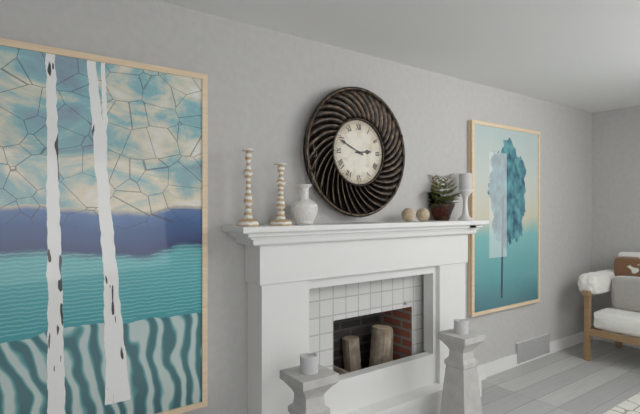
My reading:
2 h 49 min
